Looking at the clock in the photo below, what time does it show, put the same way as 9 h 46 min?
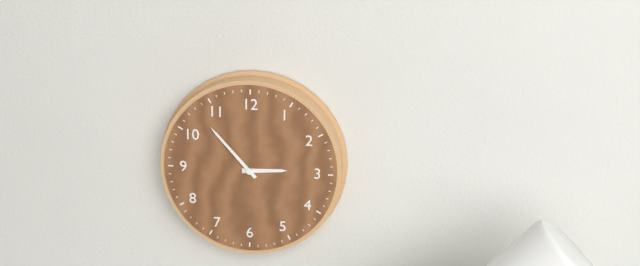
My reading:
2 h 53 min
